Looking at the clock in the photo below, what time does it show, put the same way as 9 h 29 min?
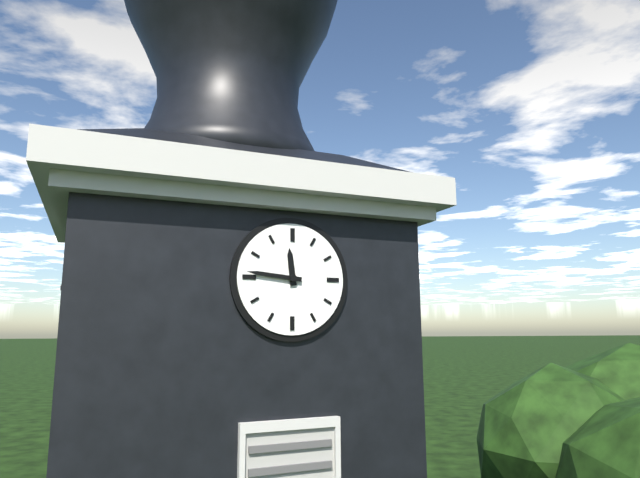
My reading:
11 h 46 min
